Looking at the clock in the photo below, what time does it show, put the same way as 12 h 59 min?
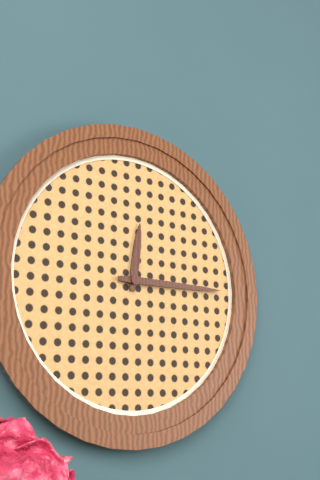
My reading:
12 h 15 min
